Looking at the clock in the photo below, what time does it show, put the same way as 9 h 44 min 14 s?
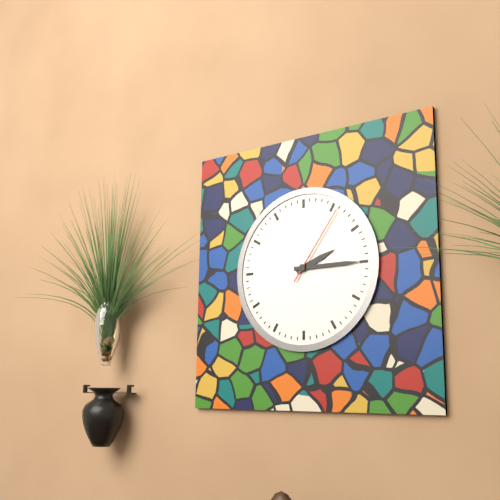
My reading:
2 h 15 min 06 s
